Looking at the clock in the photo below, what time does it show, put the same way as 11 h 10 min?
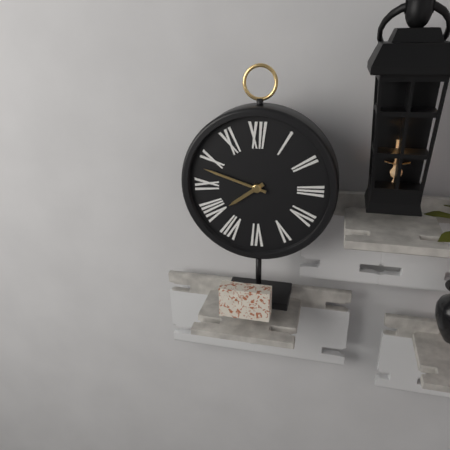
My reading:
7 h 48 min
